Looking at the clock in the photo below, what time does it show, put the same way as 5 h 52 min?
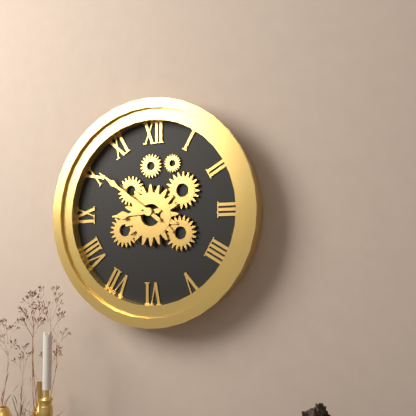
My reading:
8 h 51 min
